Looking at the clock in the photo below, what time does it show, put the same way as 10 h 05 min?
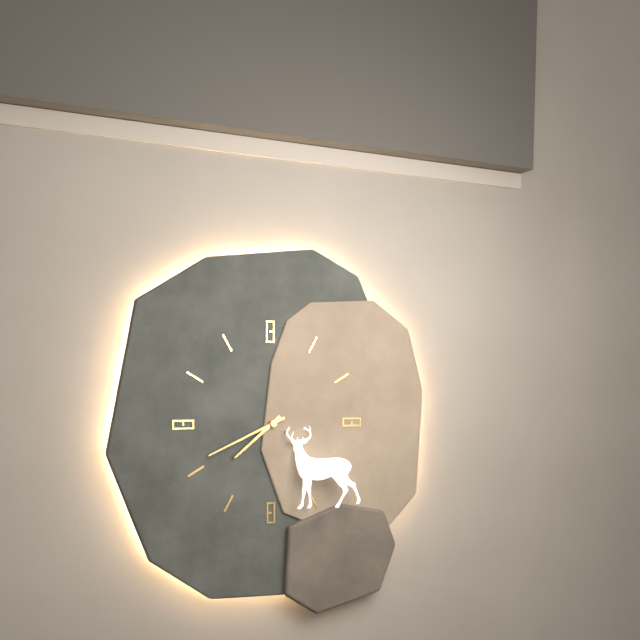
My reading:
7 h 41 min
